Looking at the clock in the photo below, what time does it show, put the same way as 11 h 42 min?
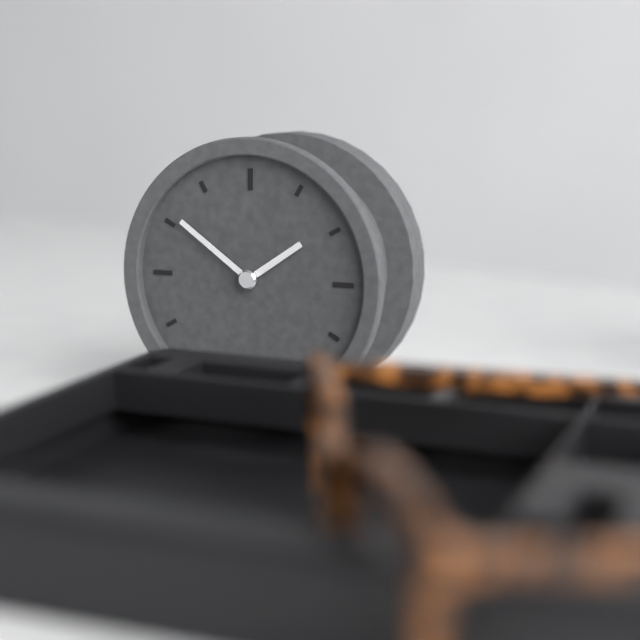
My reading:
1 h 51 min
